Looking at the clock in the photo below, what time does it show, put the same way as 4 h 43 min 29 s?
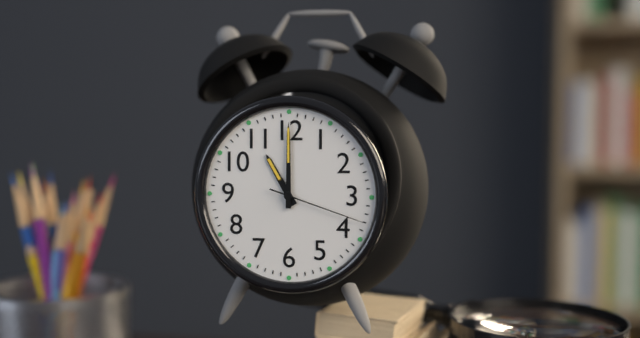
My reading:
11 h 00 min 18 s
